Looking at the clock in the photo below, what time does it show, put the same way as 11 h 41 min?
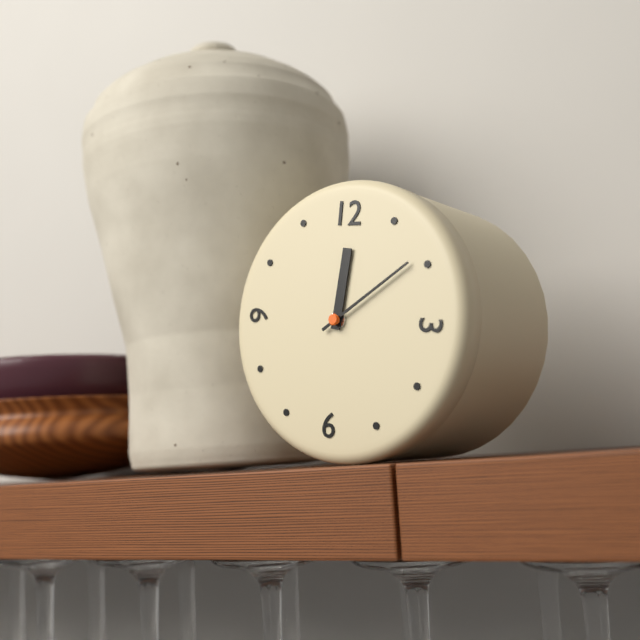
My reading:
12 h 09 min
